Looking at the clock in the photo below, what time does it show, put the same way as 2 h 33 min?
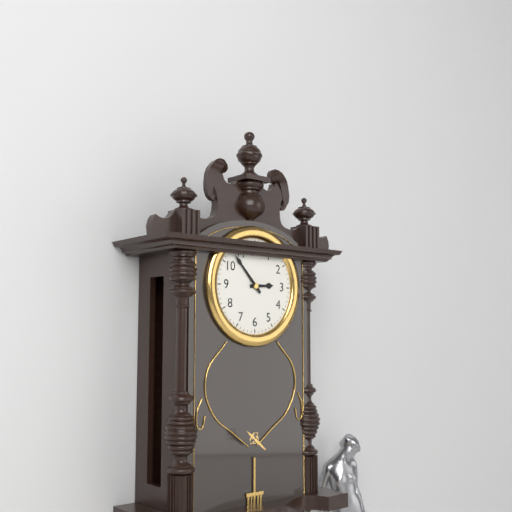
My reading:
2 h 53 min
